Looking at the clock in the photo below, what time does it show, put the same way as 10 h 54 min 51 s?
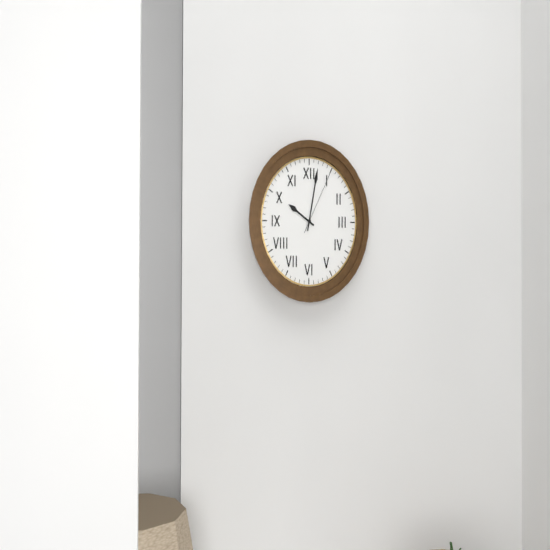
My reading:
10 h 02 min 05 s
